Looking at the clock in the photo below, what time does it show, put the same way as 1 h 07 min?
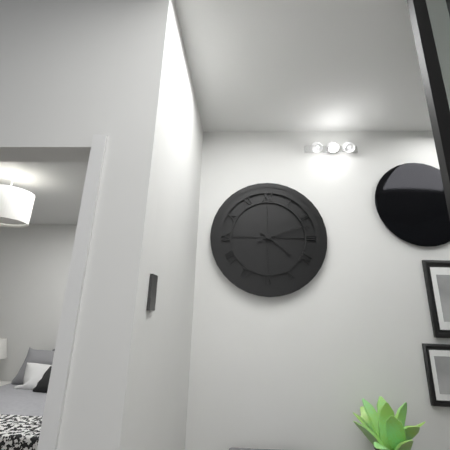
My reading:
4 h 12 min
